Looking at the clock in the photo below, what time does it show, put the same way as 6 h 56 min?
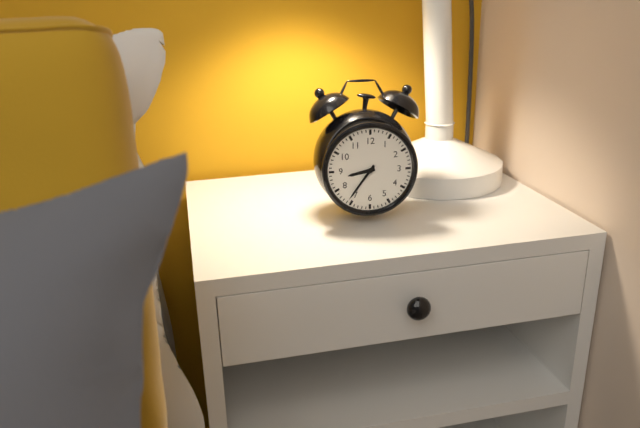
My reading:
8 h 36 min
